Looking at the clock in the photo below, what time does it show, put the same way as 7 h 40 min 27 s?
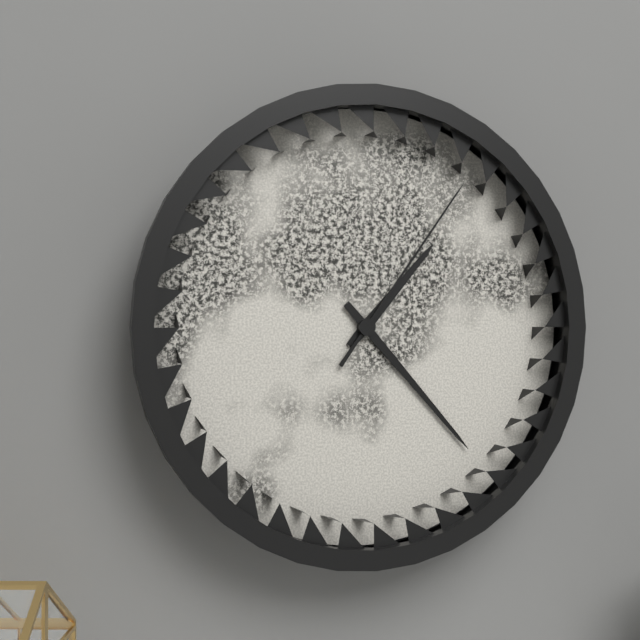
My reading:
1 h 23 min 06 s
